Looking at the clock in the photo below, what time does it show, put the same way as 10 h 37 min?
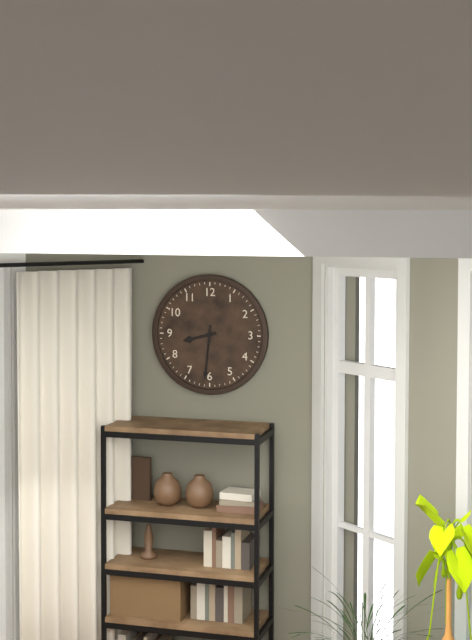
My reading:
8 h 31 min
